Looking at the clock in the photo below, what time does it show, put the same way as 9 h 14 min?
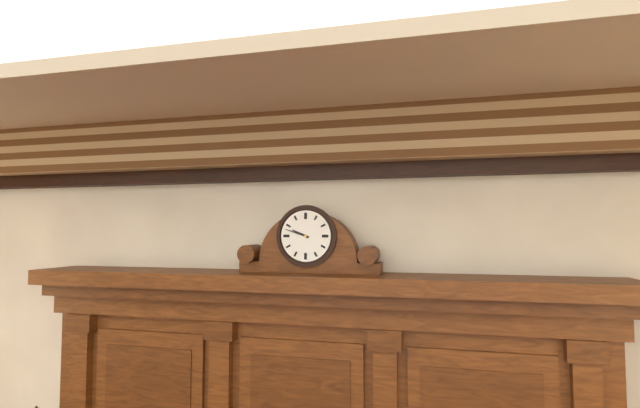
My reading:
9 h 48 min
